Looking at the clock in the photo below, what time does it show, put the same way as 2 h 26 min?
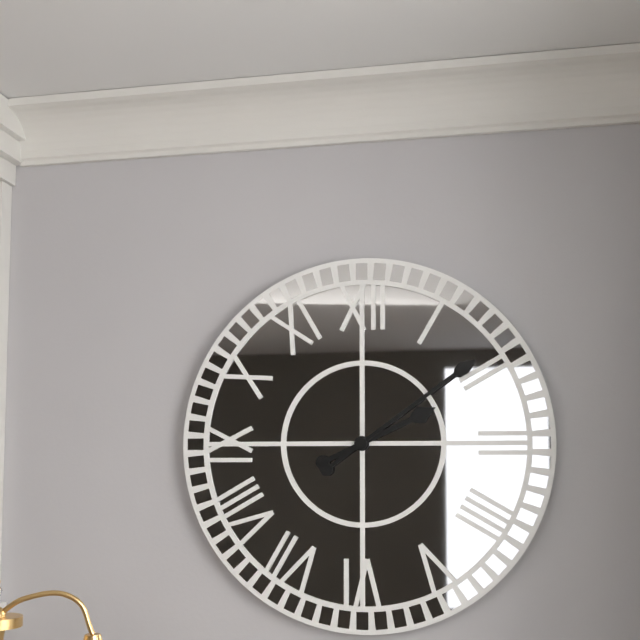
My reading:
2 h 09 min
